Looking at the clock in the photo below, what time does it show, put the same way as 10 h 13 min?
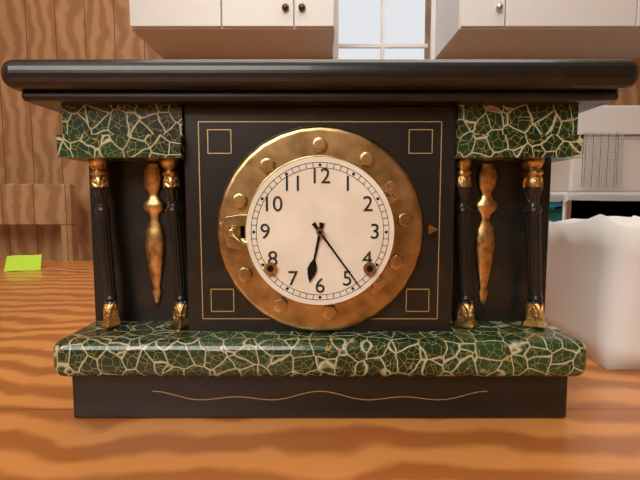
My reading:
6 h 24 min
